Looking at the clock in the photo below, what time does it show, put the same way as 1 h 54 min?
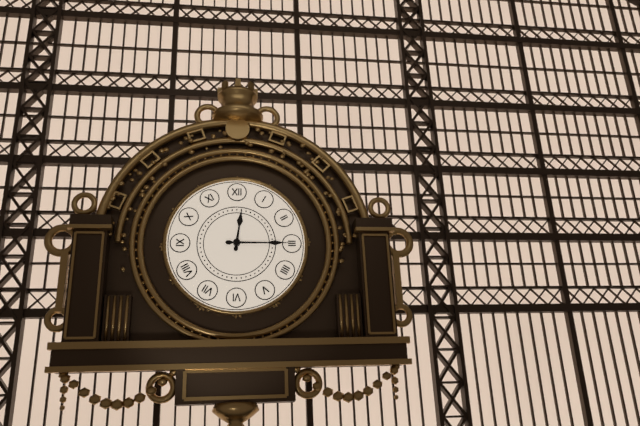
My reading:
12 h 15 min
